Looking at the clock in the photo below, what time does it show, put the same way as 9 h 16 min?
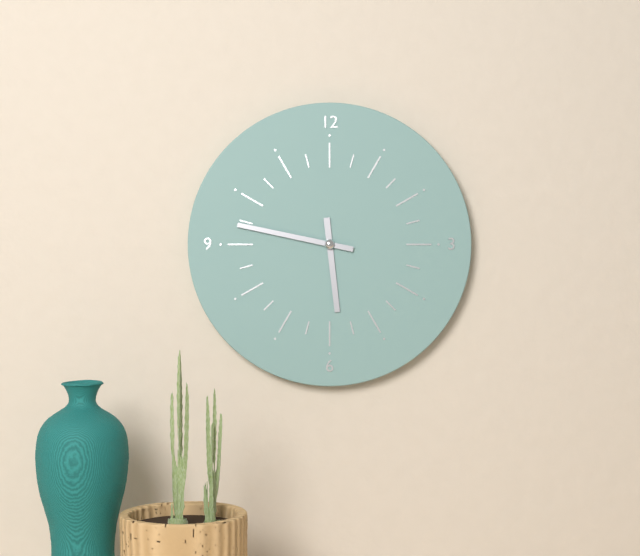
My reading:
5 h 47 min
